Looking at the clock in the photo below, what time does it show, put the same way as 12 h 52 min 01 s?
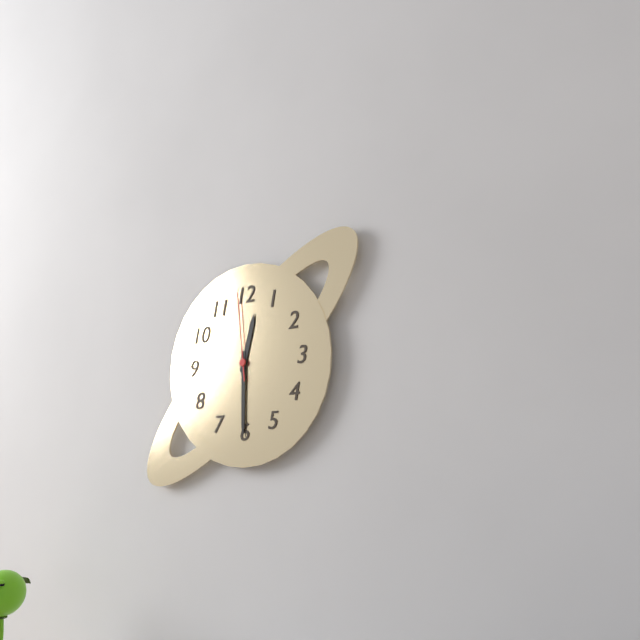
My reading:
12 h 30 min 59 s
